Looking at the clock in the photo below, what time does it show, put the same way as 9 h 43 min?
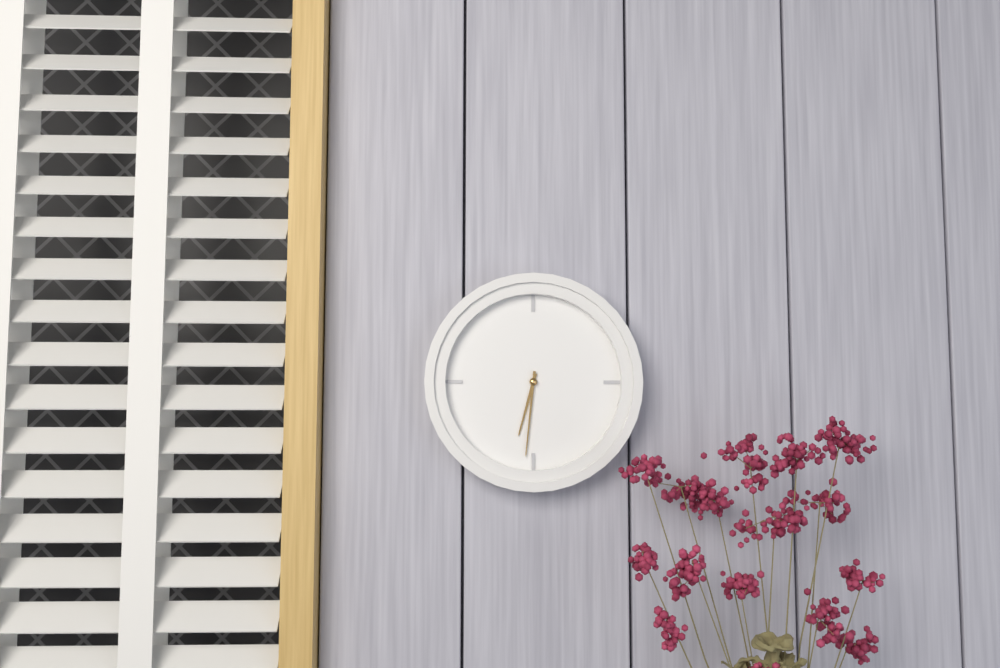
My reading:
6 h 31 min
